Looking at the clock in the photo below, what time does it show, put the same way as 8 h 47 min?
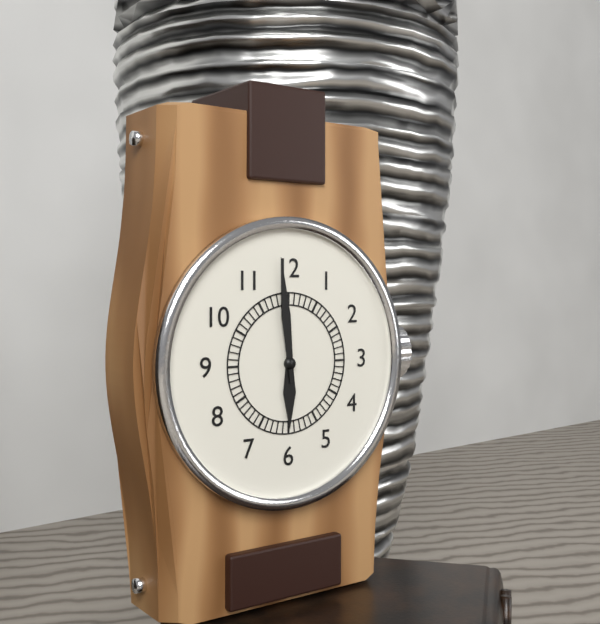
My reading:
5 h 59 min
